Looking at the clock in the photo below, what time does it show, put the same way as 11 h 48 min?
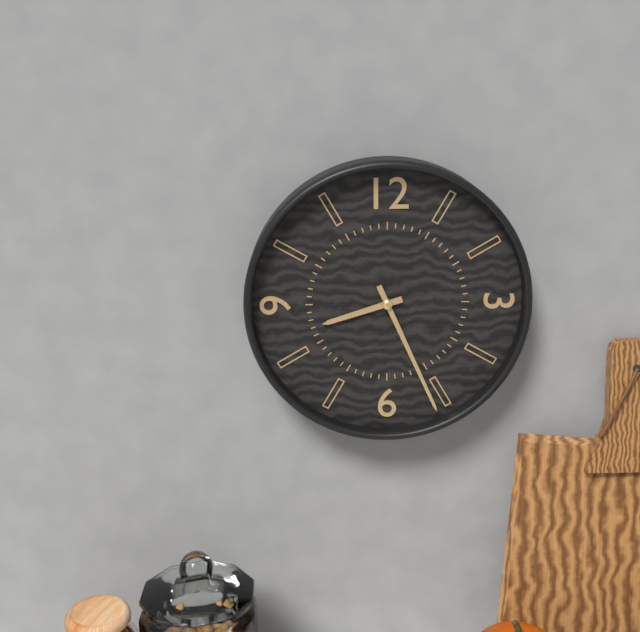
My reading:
8 h 26 min
